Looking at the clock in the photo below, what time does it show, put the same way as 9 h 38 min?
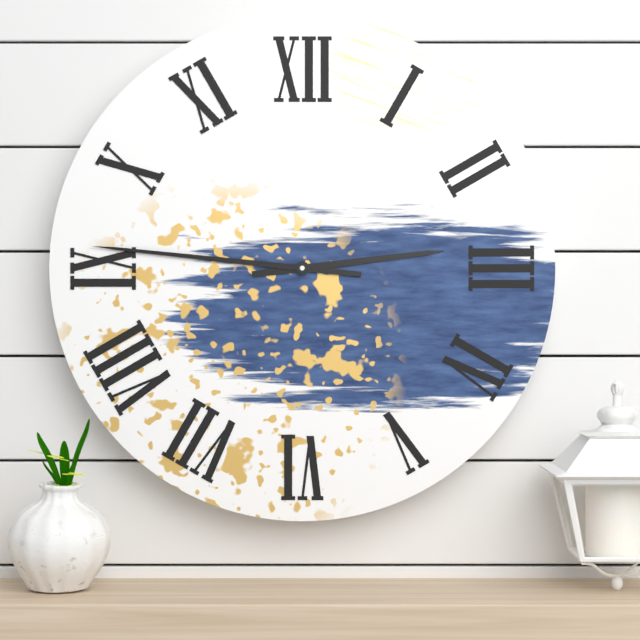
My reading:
2 h 46 min
